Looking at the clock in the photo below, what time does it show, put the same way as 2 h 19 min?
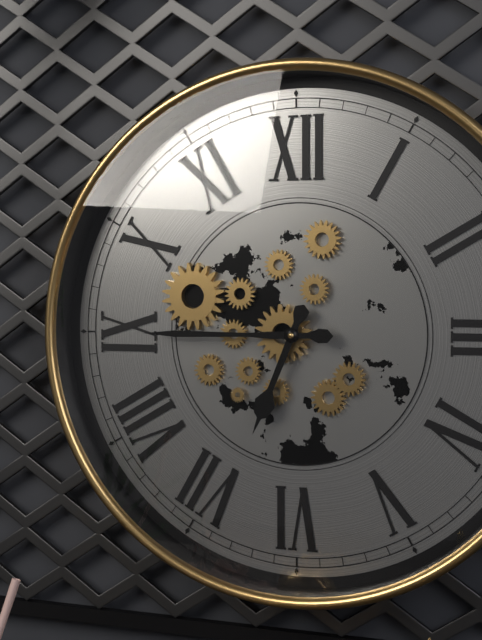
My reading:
6 h 45 min
